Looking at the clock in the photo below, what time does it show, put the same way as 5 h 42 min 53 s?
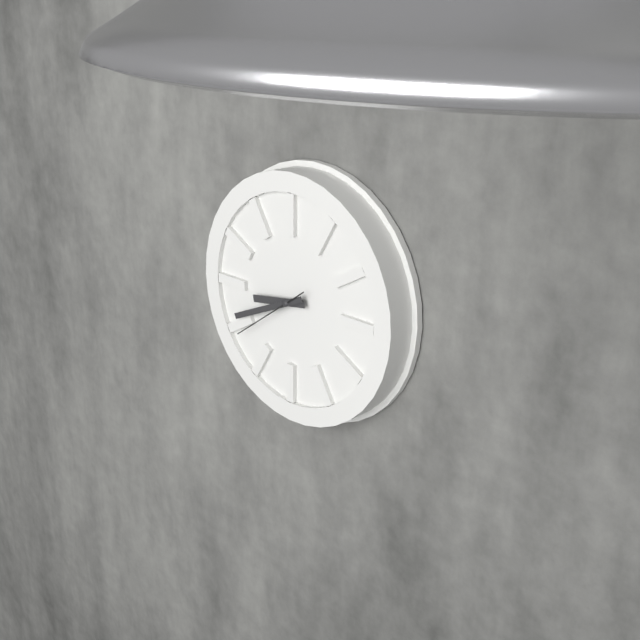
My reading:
8 h 41 min 39 s
